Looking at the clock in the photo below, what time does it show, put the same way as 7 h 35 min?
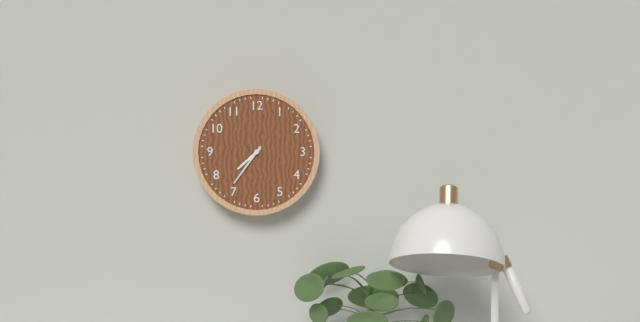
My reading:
7 h 36 min
